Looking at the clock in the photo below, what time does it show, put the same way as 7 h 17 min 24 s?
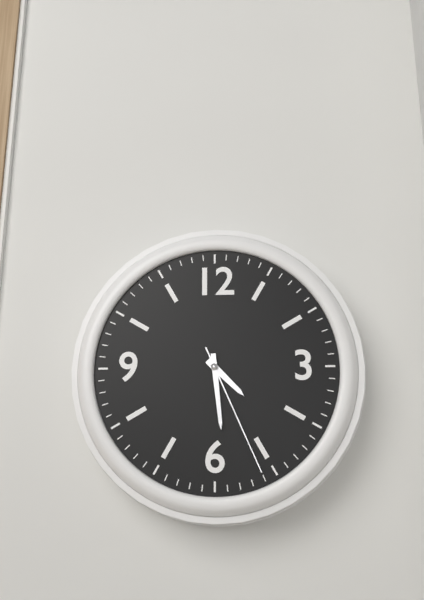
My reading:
4 h 29 min 26 s
